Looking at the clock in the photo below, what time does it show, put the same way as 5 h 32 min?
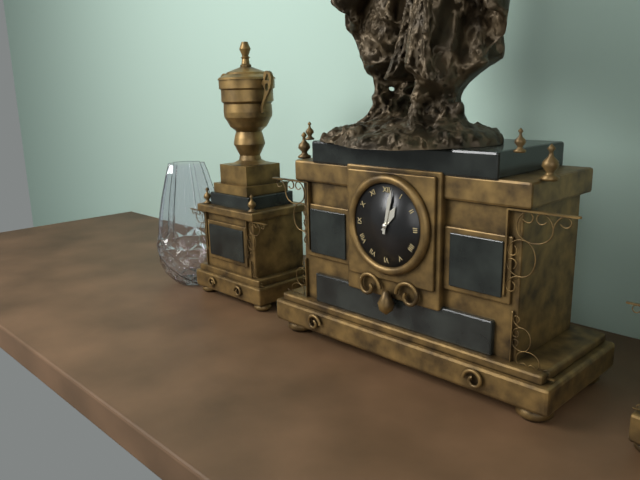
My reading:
1 h 02 min
